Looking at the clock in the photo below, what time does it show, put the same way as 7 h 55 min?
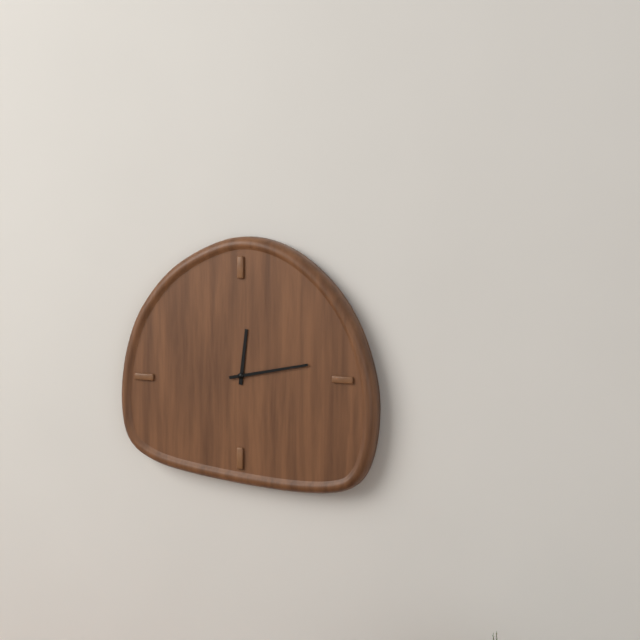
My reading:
12 h 13 min
